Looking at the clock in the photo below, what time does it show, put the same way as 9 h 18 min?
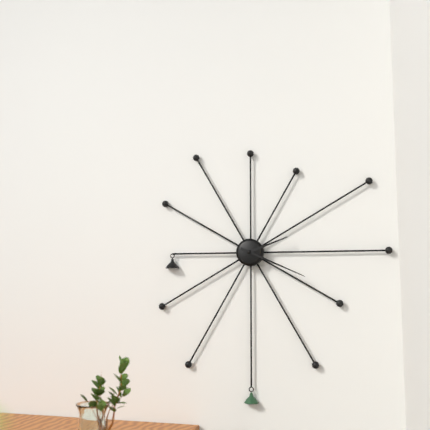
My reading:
2 h 19 min
